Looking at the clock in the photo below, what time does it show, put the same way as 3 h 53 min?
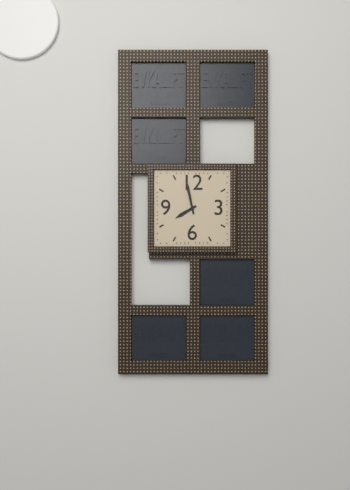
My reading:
7 h 58 min
